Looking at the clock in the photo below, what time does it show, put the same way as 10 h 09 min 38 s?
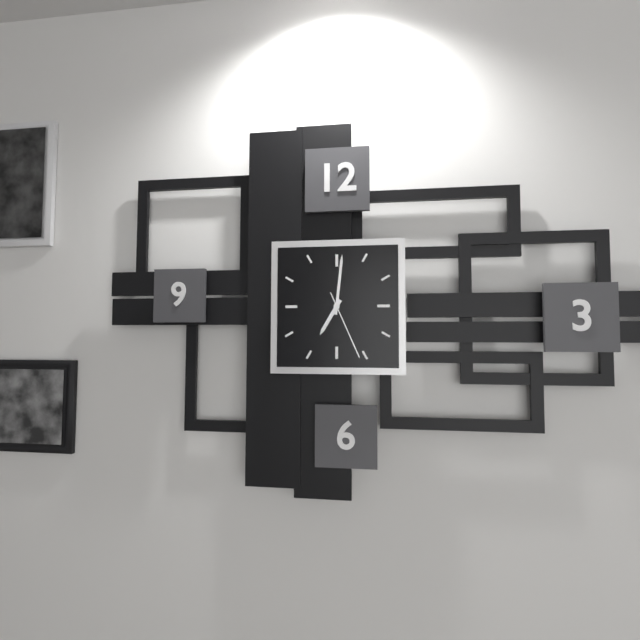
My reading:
7 h 01 min 26 s
